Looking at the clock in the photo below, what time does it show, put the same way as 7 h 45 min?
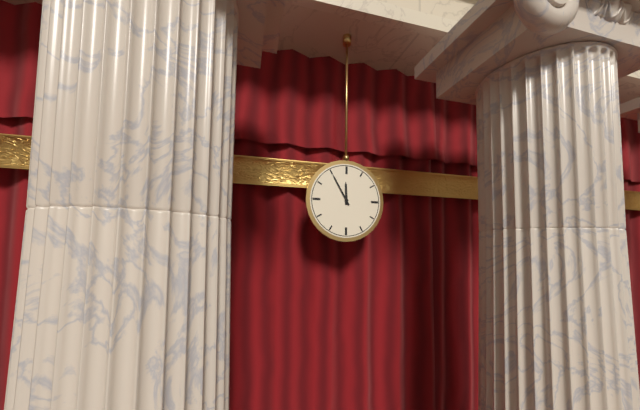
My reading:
11 h 55 min
